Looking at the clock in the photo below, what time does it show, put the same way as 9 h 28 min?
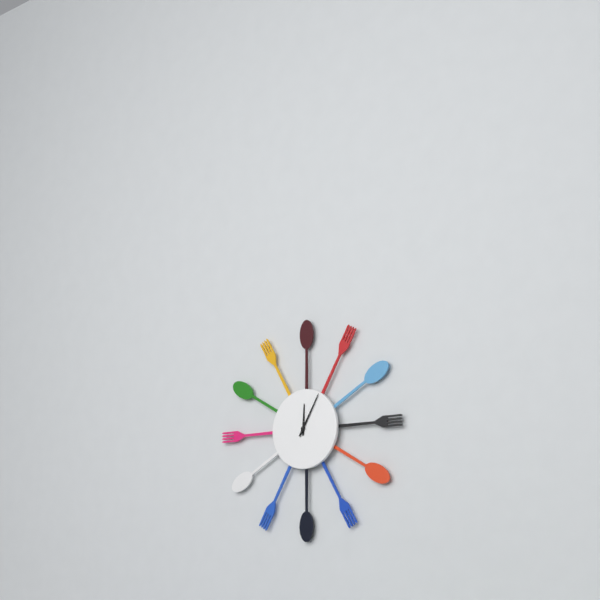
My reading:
12 h 05 min
